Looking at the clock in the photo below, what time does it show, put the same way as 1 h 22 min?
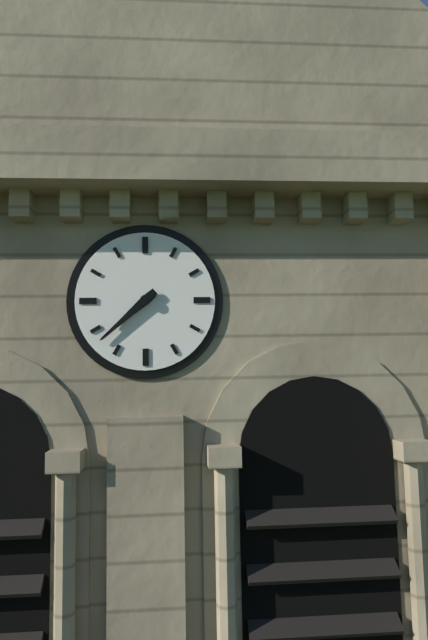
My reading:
7 h 38 min
